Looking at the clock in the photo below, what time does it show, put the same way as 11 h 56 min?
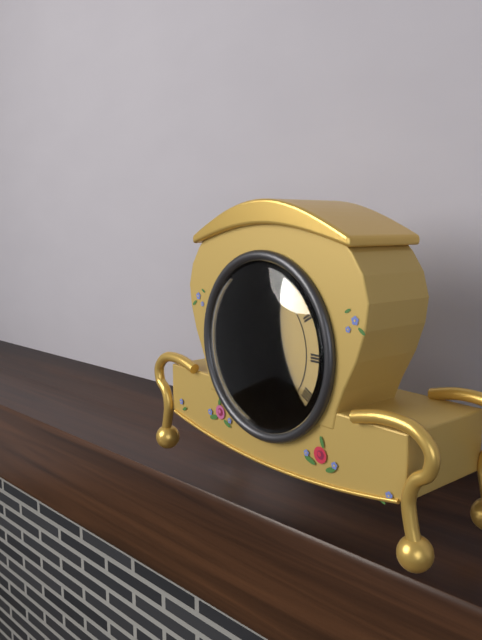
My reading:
5 h 53 min
